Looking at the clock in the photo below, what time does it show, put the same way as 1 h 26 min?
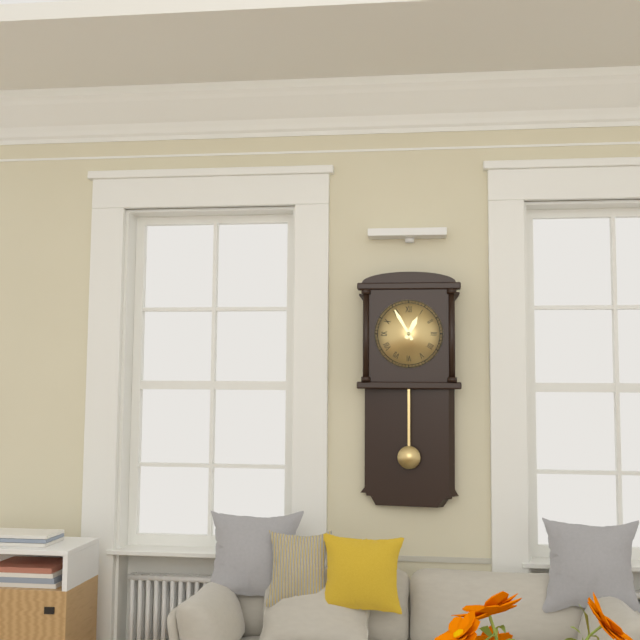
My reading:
12 h 55 min
